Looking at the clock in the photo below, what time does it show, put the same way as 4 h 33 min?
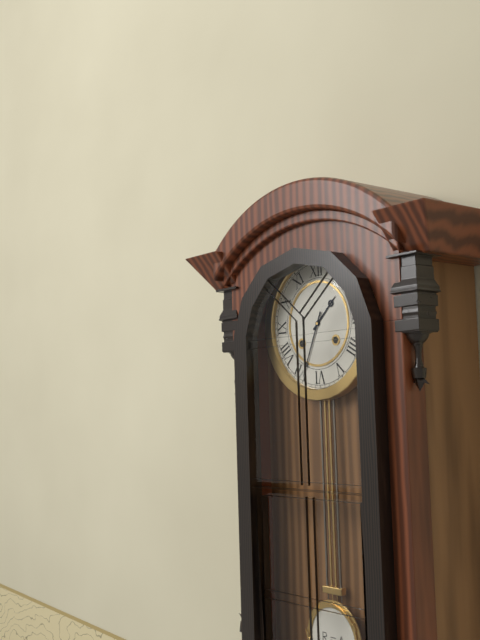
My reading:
1 h 34 min
